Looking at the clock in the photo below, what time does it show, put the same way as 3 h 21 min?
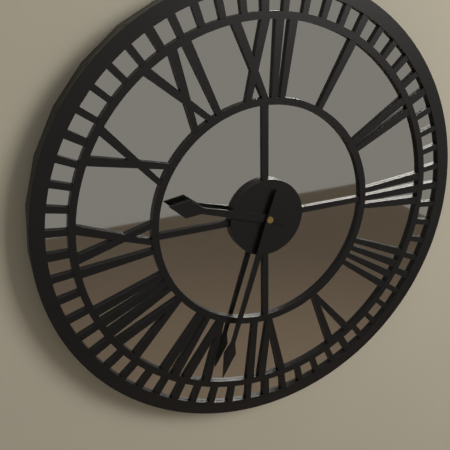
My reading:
9 h 33 min
